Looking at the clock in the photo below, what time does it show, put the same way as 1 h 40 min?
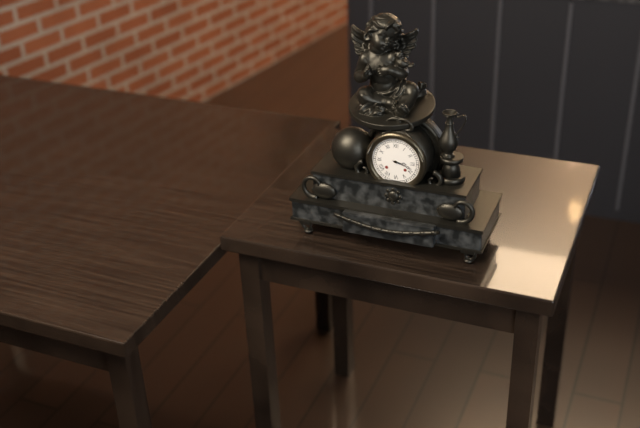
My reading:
3 h 18 min
